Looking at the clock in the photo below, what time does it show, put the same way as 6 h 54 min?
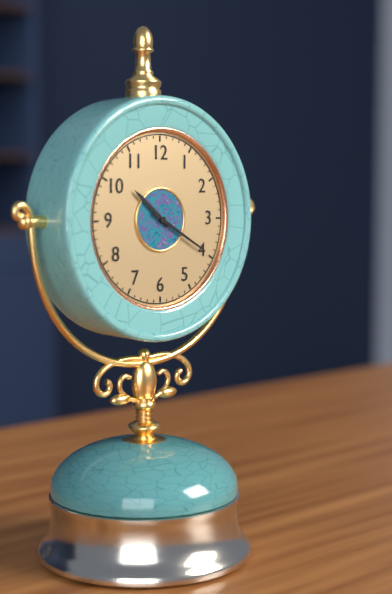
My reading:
10 h 20 min
